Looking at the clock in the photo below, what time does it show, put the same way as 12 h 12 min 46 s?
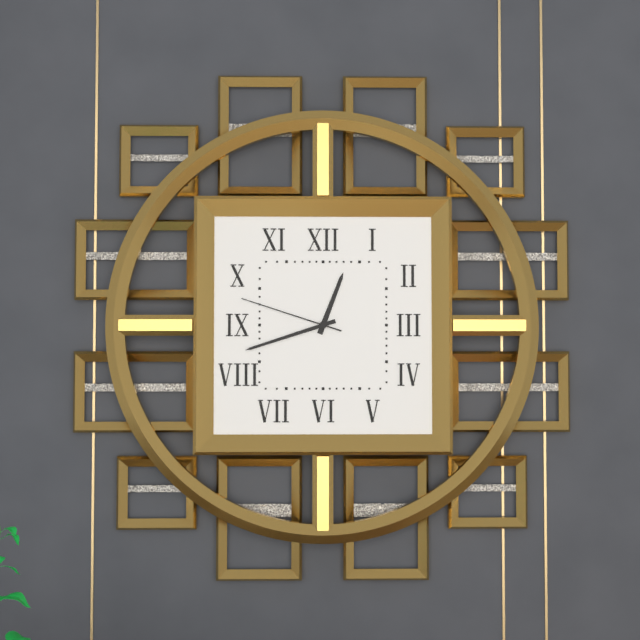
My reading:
12 h 42 min 48 s
